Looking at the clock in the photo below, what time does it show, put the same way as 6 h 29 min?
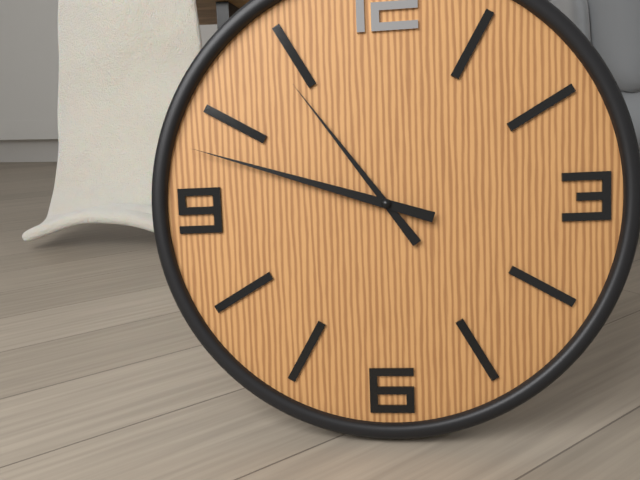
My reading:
10 h 48 min
